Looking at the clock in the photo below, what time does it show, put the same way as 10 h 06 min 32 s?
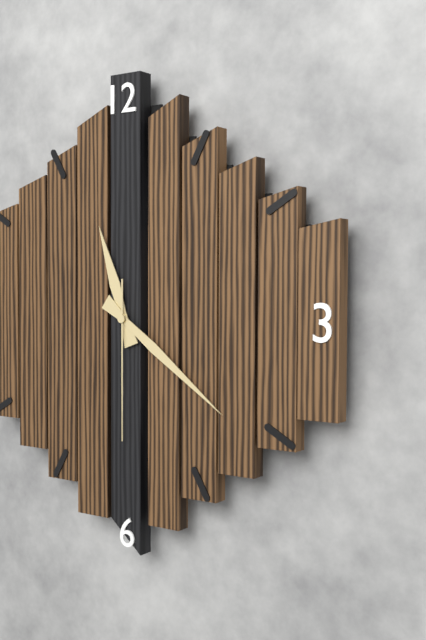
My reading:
11 h 21 min 30 s
